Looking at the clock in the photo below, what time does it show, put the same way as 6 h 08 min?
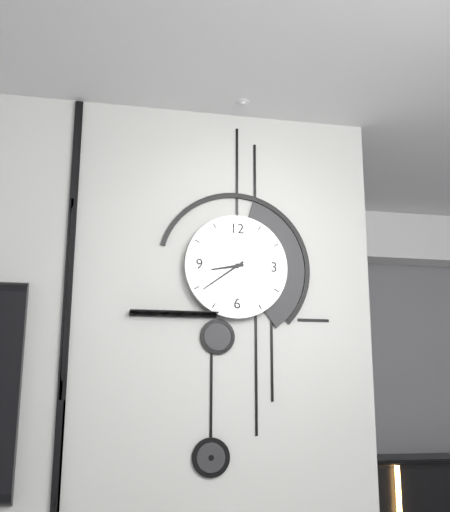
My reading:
8 h 39 min
